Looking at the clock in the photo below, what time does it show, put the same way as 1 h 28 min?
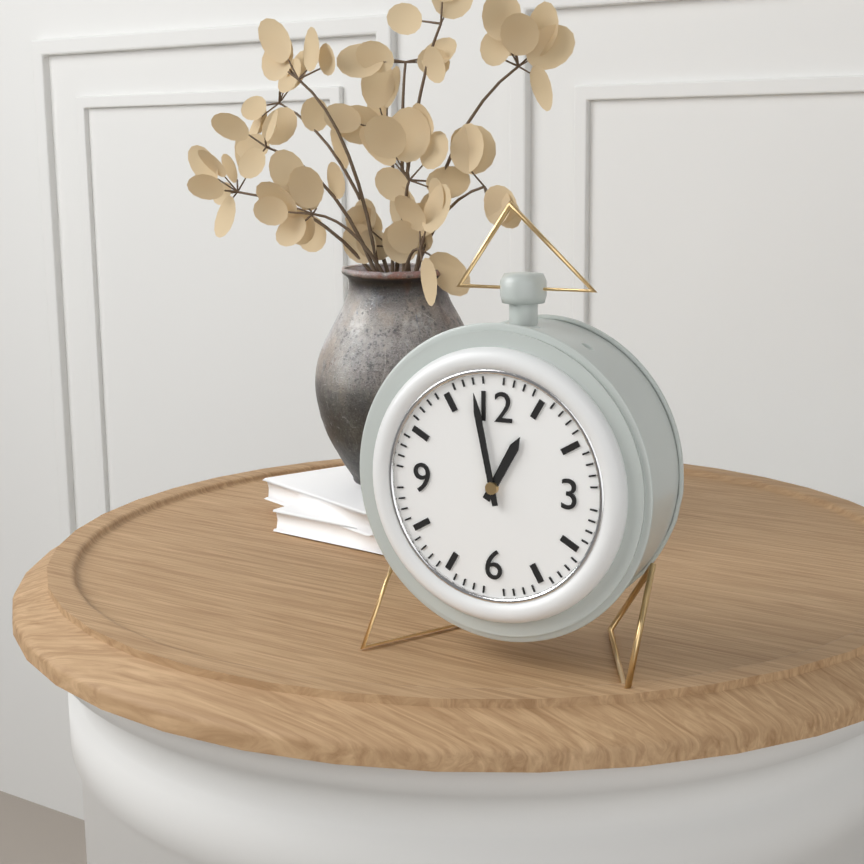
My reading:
12 h 58 min
